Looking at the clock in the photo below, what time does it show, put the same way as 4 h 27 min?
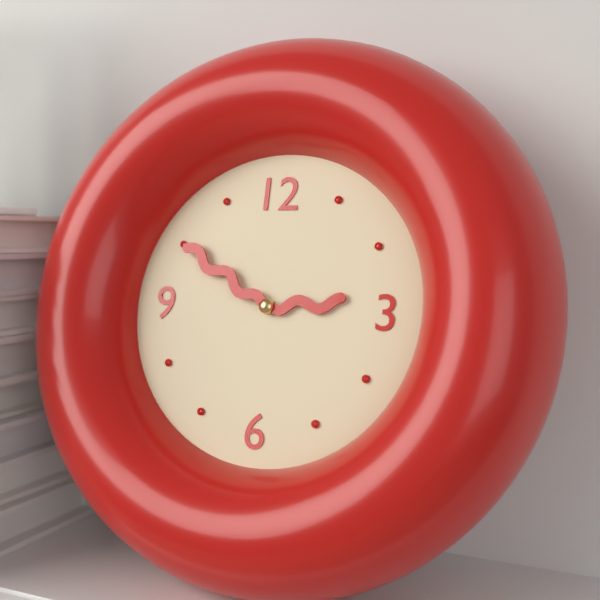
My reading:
2 h 50 min
